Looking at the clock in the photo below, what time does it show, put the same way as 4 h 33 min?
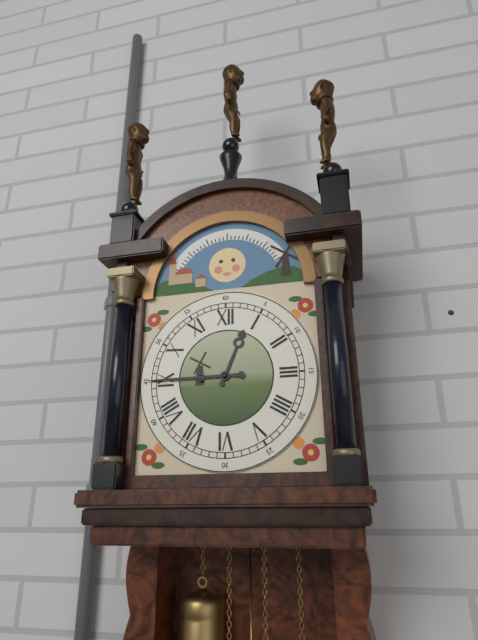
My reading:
12 h 45 min
